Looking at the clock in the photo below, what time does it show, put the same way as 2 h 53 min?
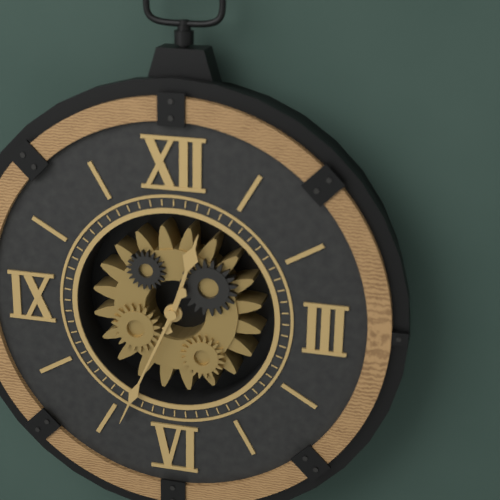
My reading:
12 h 34 min
